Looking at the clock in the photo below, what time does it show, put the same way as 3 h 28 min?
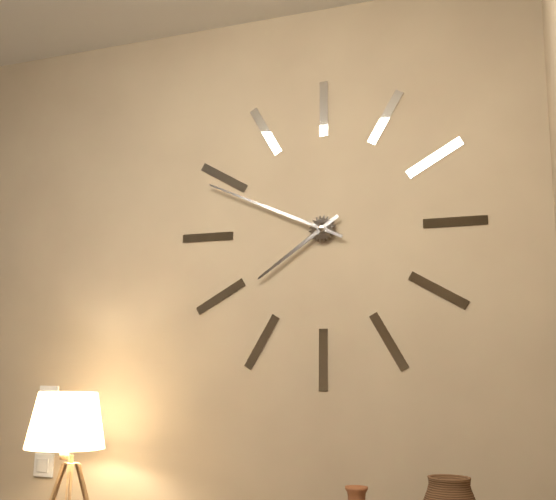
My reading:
7 h 49 min
